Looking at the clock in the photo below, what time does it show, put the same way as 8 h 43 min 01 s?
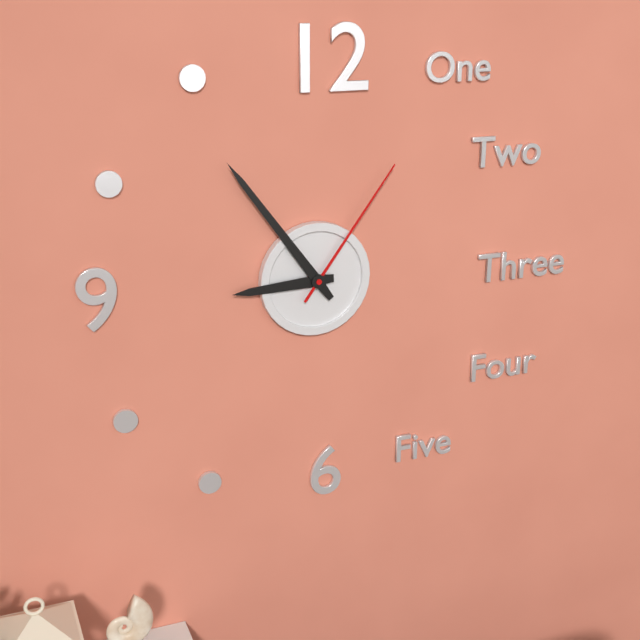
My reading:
8 h 54 min 06 s
